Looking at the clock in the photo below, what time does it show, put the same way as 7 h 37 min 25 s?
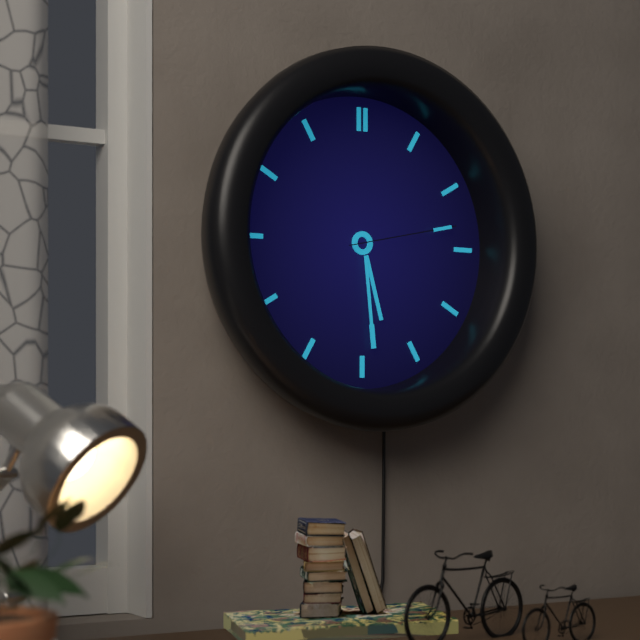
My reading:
5 h 29 min 13 s
